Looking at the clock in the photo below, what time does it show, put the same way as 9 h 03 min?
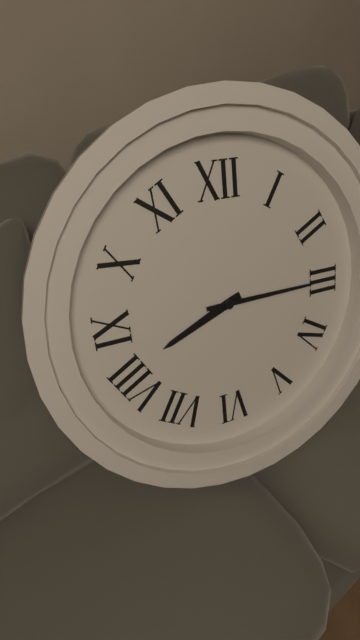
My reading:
8 h 15 min
